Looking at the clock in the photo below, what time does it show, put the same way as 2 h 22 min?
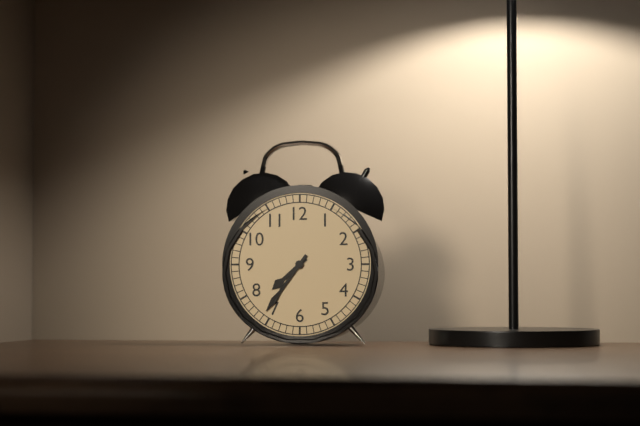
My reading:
7 h 36 min
